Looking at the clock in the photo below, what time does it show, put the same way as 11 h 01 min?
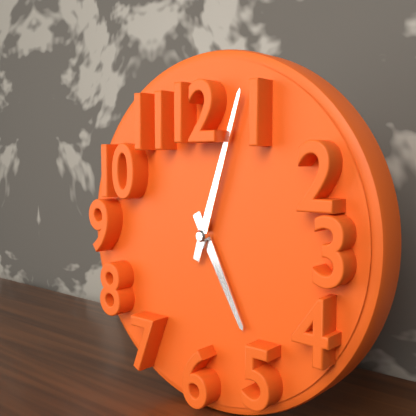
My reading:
5 h 03 min
